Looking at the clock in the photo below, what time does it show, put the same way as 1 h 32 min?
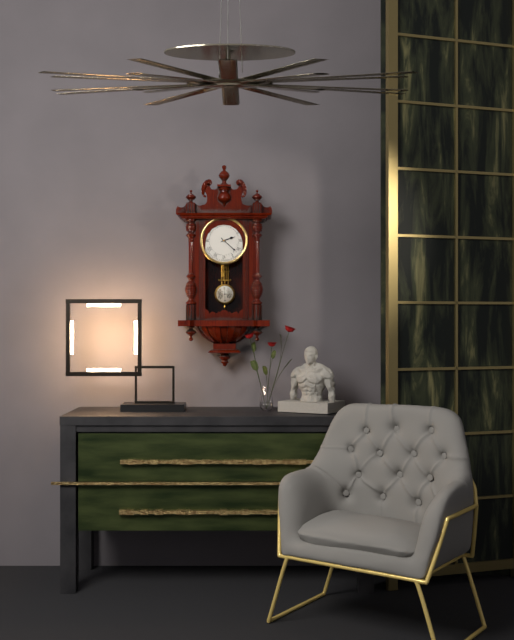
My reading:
2 h 22 min
